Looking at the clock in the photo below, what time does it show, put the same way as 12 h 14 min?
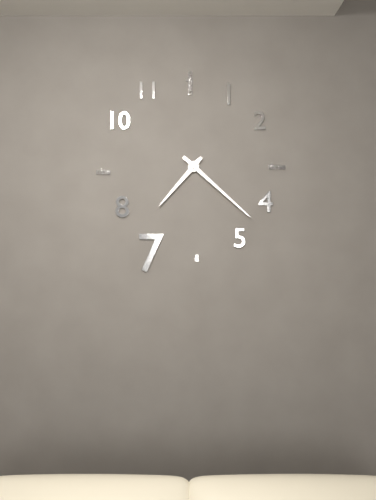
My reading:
7 h 22 min
